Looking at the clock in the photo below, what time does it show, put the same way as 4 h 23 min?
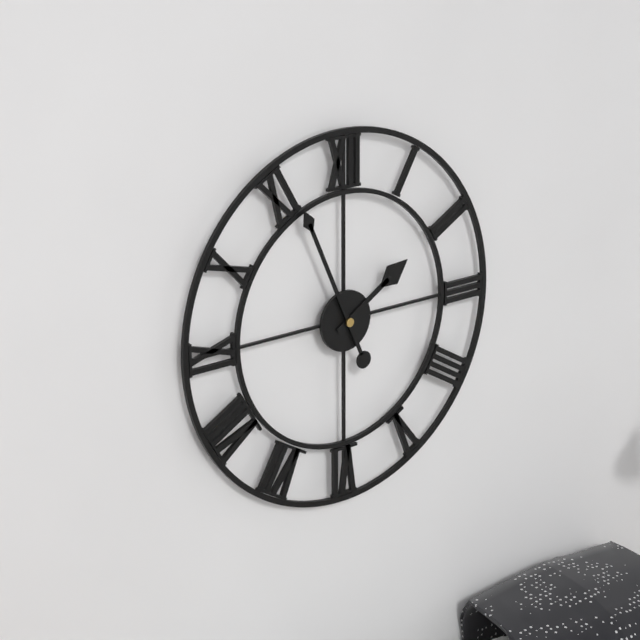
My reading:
1 h 56 min
